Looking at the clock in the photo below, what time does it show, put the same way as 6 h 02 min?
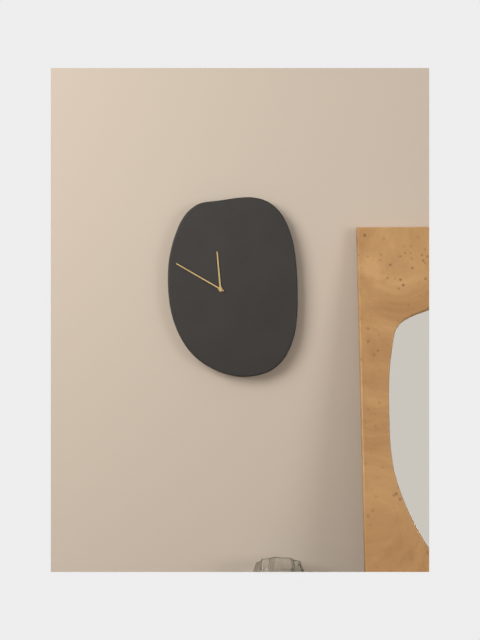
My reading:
11 h 50 min
